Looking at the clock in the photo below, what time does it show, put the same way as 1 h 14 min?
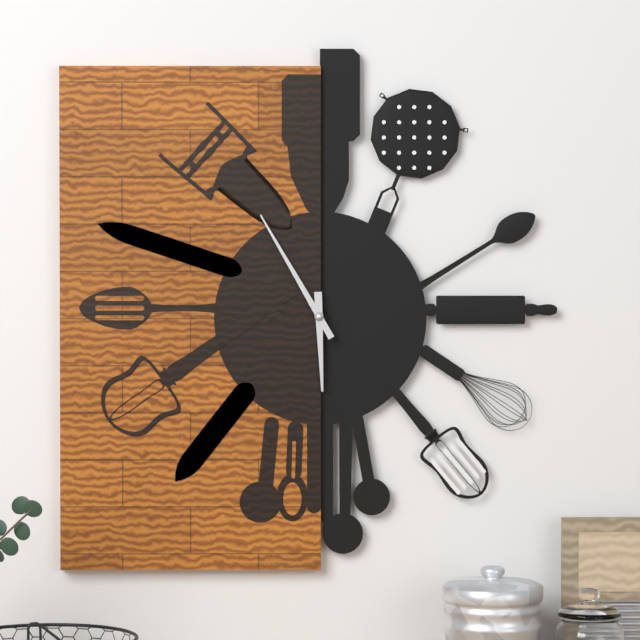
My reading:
5 h 55 min
